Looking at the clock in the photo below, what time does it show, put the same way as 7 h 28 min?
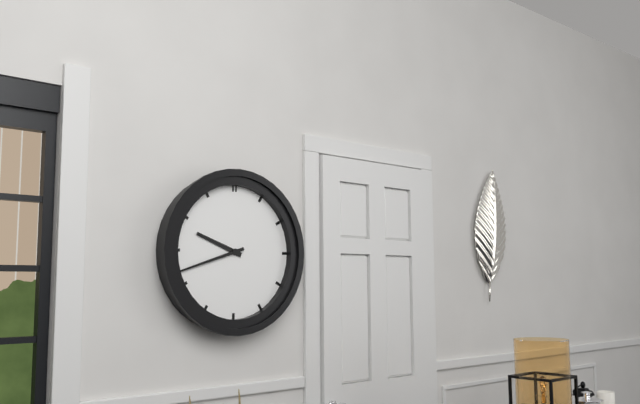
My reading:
9 h 42 min
